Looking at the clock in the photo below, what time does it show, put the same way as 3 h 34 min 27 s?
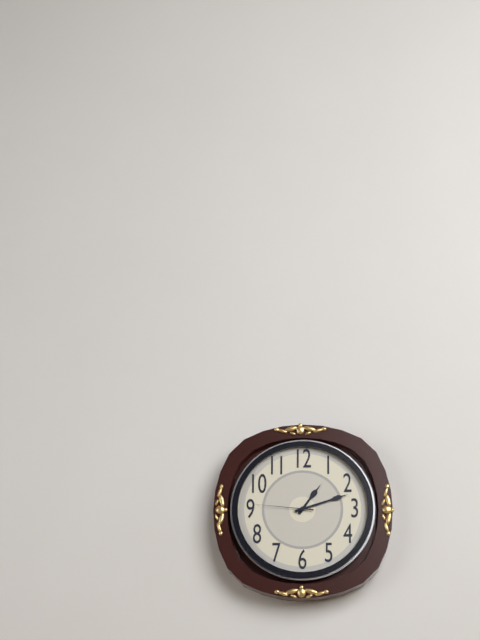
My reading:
1 h 12 min 46 s
